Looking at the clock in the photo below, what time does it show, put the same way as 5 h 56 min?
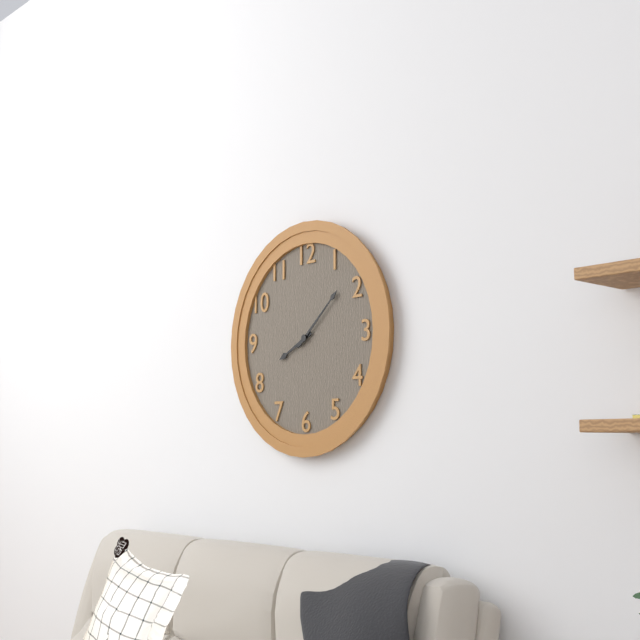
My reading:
8 h 08 min
